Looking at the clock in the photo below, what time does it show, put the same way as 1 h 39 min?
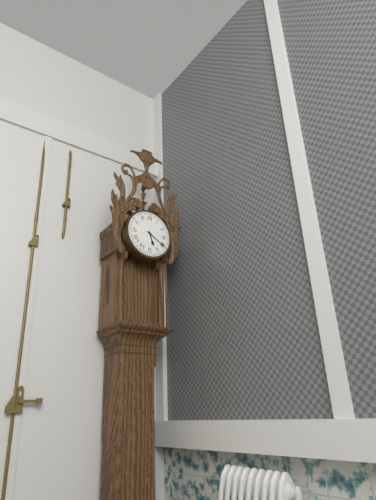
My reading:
5 h 20 min
